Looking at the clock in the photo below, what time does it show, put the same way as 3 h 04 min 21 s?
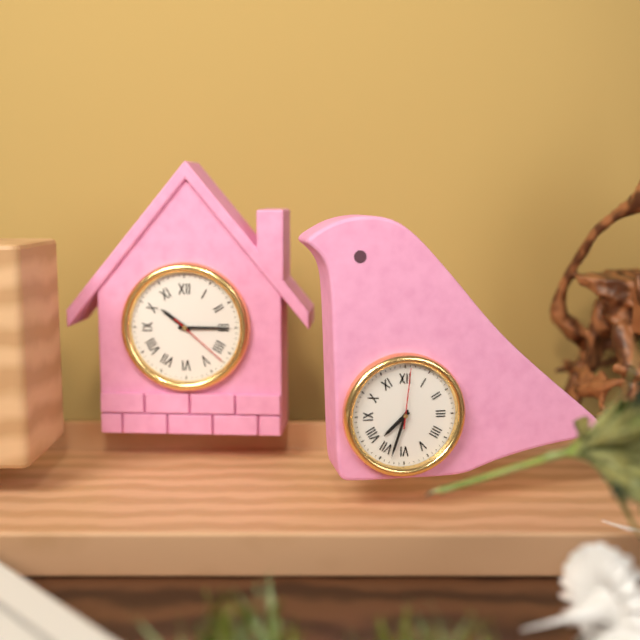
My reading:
7 h 33 min 01 s
